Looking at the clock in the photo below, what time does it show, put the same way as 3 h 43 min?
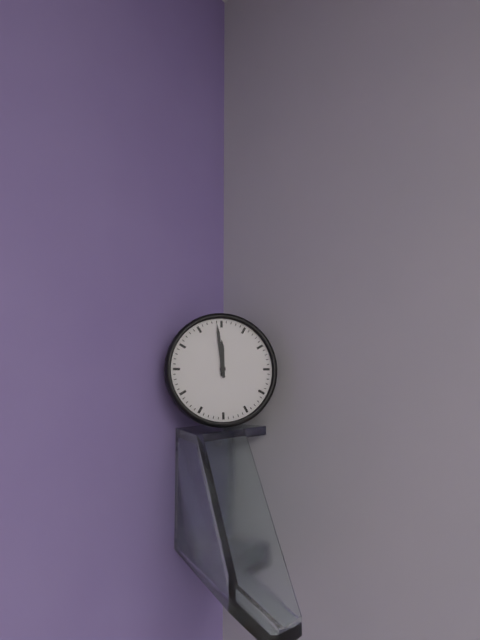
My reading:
11 h 59 min
